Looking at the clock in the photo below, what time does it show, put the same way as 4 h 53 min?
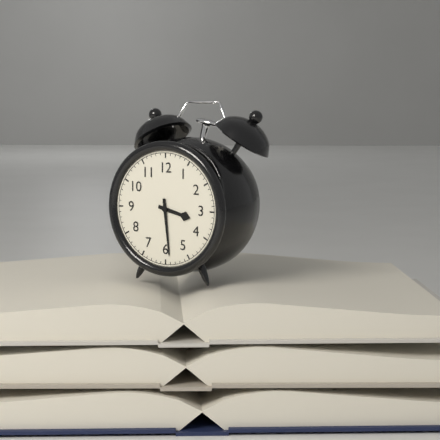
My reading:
3 h 29 min
